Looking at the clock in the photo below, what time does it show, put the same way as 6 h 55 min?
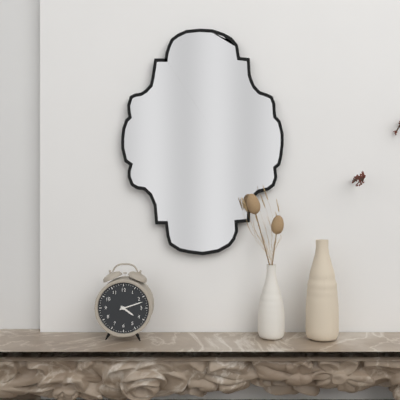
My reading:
4 h 12 min
